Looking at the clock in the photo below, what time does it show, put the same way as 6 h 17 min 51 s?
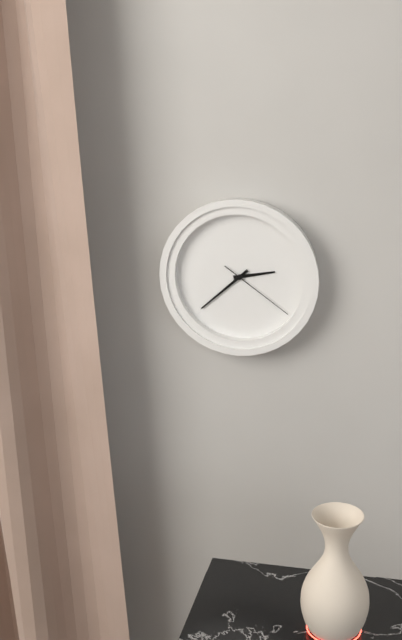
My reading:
2 h 38 min 21 s
